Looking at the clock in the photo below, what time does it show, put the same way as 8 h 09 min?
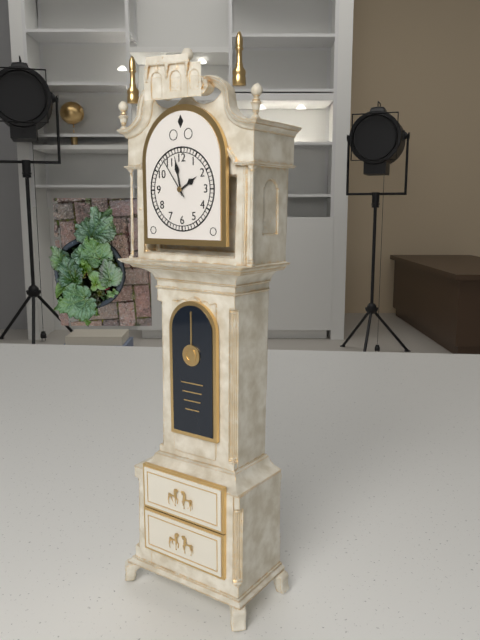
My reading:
1 h 58 min
